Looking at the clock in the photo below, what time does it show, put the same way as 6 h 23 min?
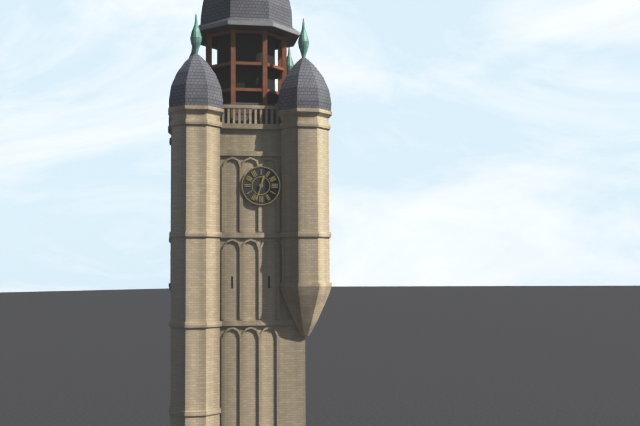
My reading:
12 h 33 min
